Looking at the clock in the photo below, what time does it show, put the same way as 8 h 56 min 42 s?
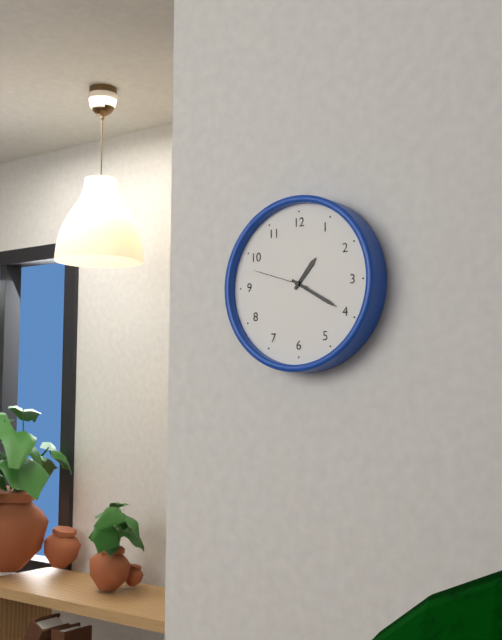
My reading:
1 h 20 min 48 s
